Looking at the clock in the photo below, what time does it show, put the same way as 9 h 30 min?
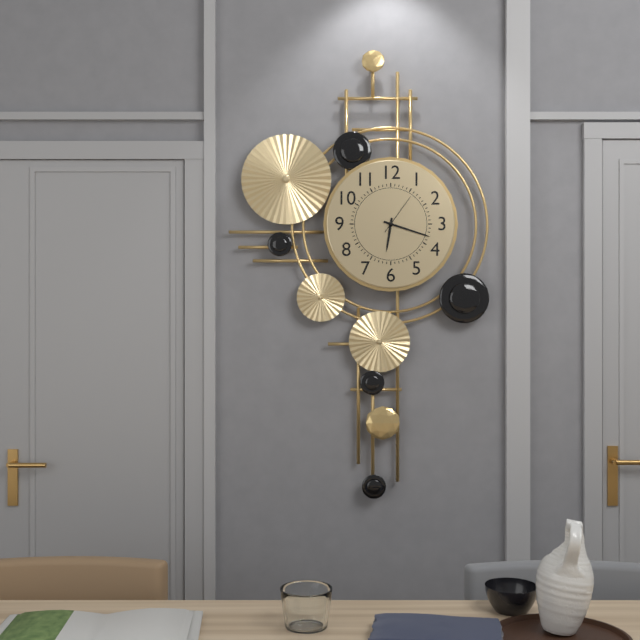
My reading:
6 h 18 min
